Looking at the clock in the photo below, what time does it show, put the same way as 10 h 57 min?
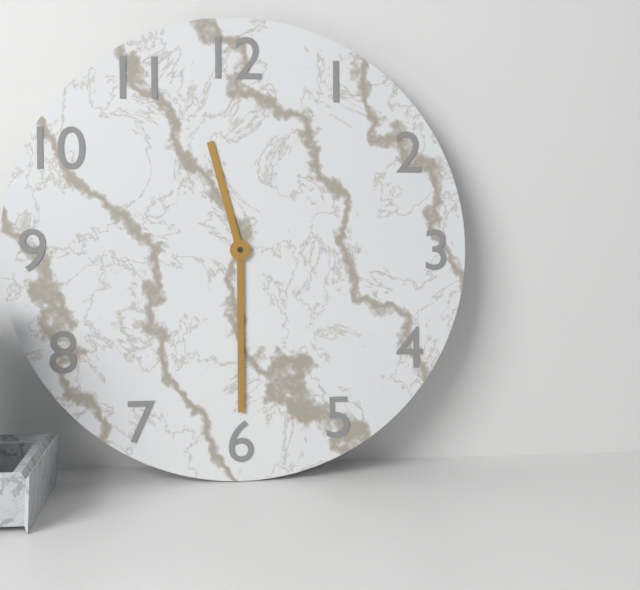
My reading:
11 h 30 min
